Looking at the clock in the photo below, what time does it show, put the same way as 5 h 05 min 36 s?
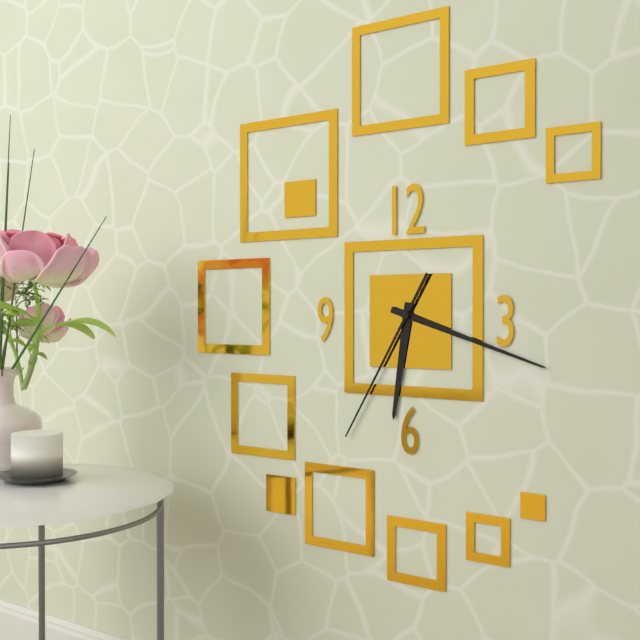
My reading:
6 h 18 min 35 s
